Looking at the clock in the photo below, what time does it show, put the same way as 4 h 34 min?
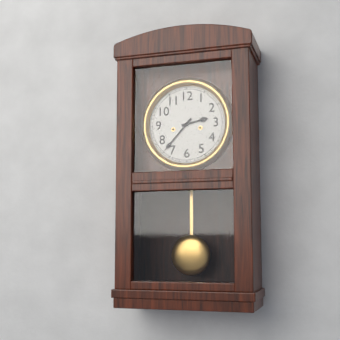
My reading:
2 h 37 min
